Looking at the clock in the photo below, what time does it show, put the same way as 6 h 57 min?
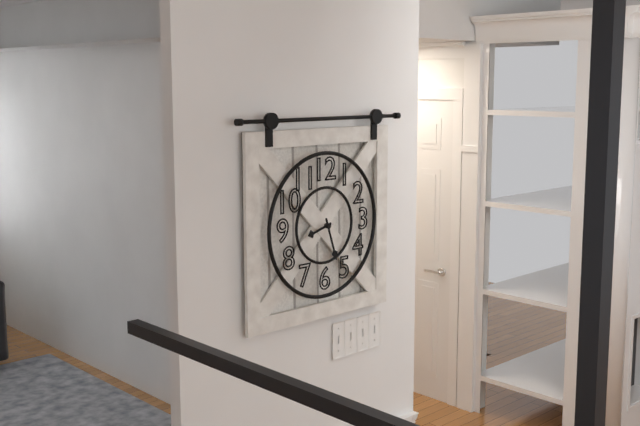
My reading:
8 h 27 min
